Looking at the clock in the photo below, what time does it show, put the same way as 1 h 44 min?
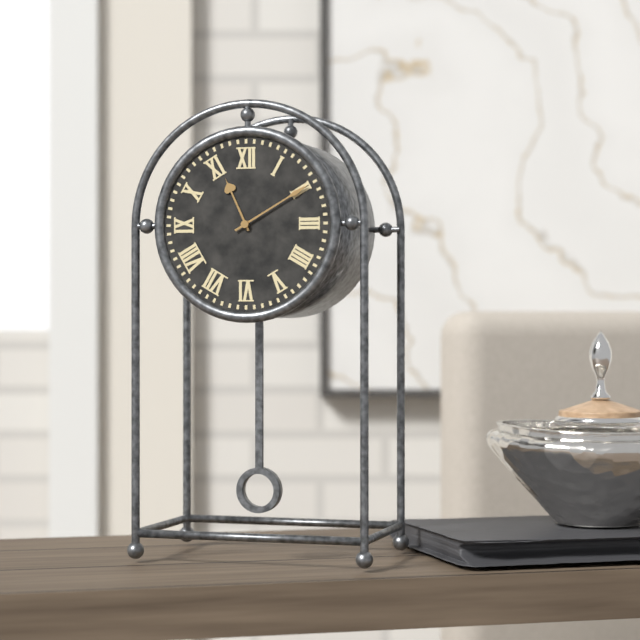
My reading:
11 h 10 min
